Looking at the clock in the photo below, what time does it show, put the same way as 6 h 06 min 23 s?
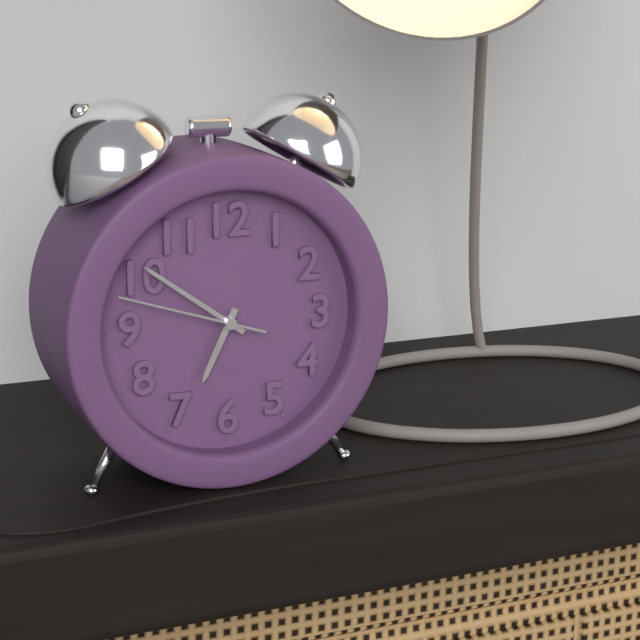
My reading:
6 h 51 min 48 s
